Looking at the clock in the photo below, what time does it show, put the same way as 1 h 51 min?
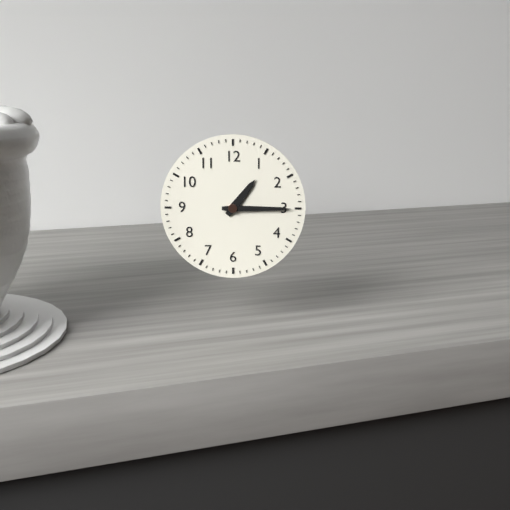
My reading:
1 h 15 min
